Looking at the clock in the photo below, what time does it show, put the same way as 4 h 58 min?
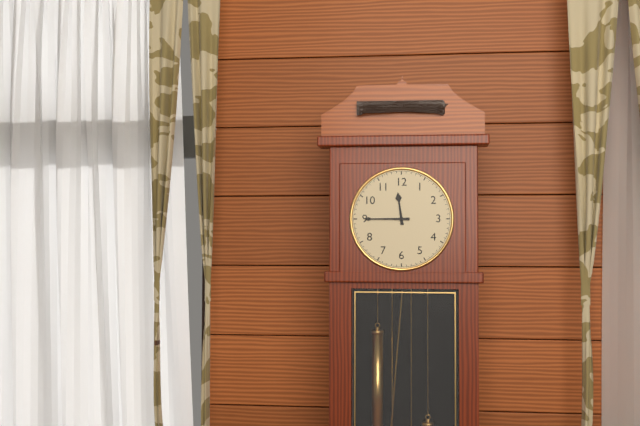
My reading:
11 h 45 min
